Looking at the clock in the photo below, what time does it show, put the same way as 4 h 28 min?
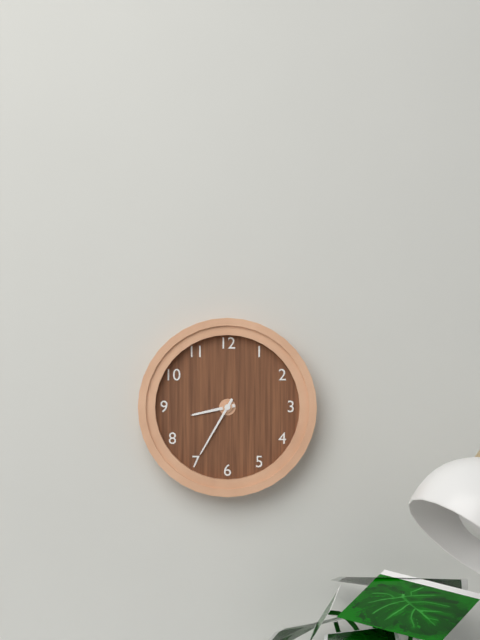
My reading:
8 h 35 min
